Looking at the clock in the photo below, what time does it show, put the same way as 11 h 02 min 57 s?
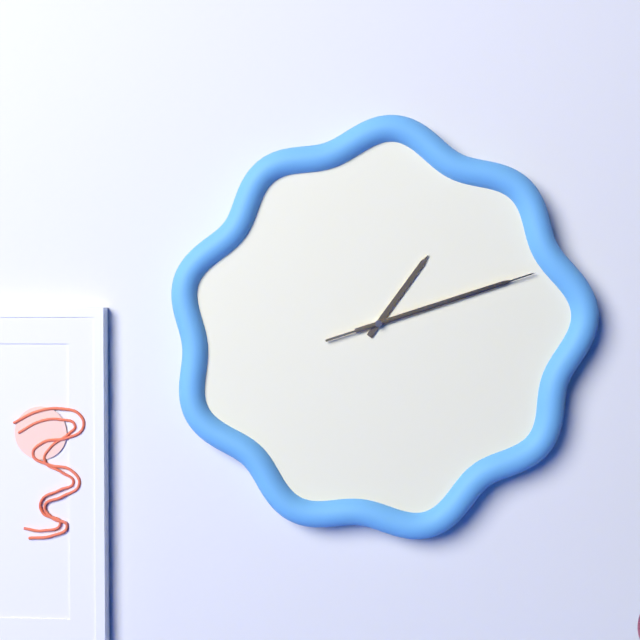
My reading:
1 h 12 min 12 s
